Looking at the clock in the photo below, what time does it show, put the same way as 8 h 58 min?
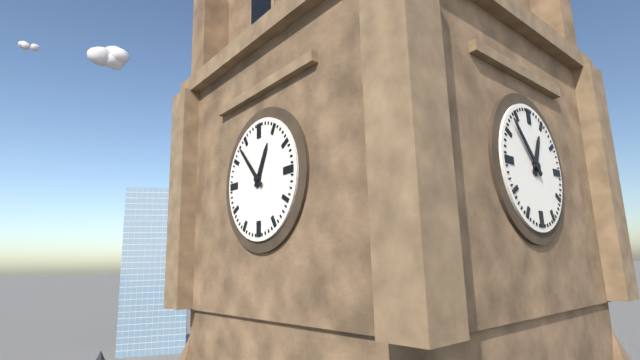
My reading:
12 h 53 min
